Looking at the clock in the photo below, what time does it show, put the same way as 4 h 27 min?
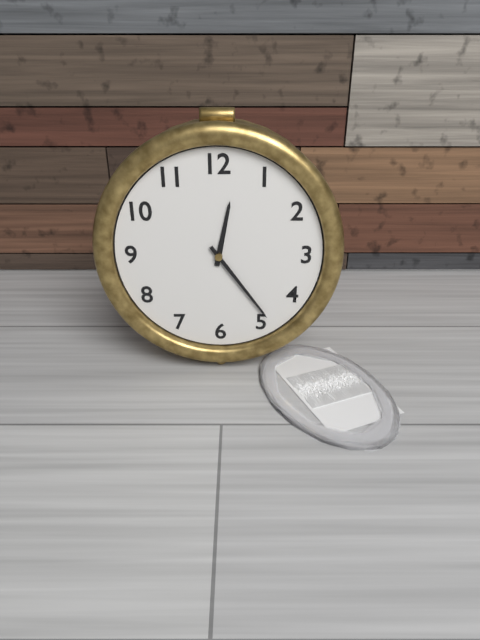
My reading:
12 h 24 min
